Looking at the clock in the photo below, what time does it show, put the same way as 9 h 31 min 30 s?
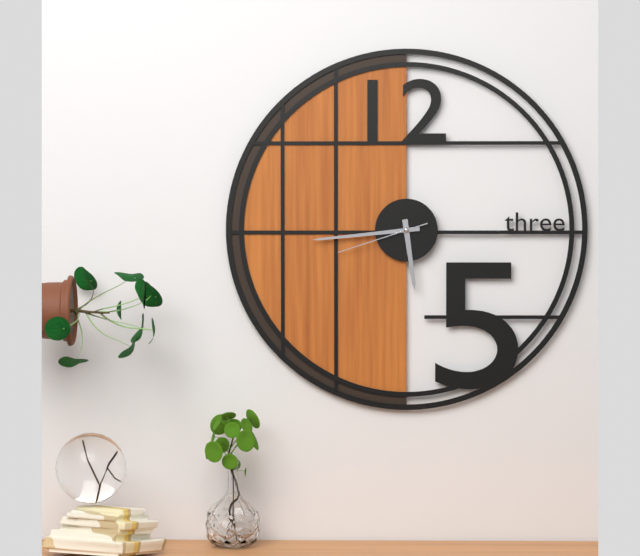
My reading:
5 h 44 min 42 s
